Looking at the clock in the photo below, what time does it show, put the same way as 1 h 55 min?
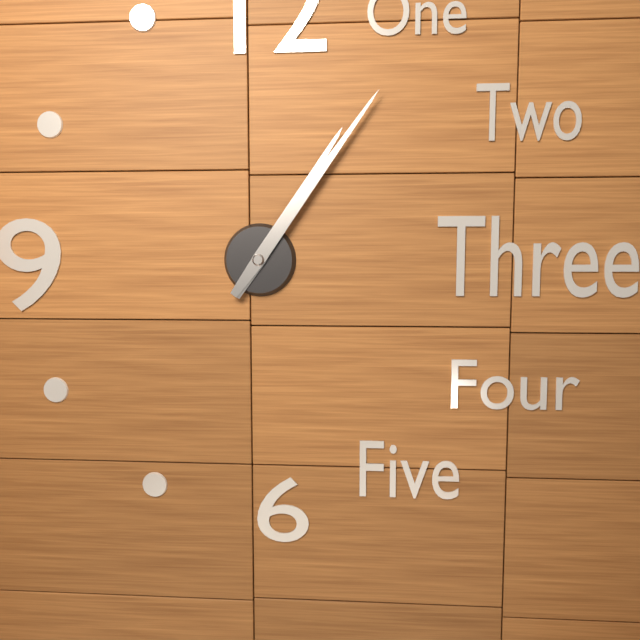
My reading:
1 h 06 min
